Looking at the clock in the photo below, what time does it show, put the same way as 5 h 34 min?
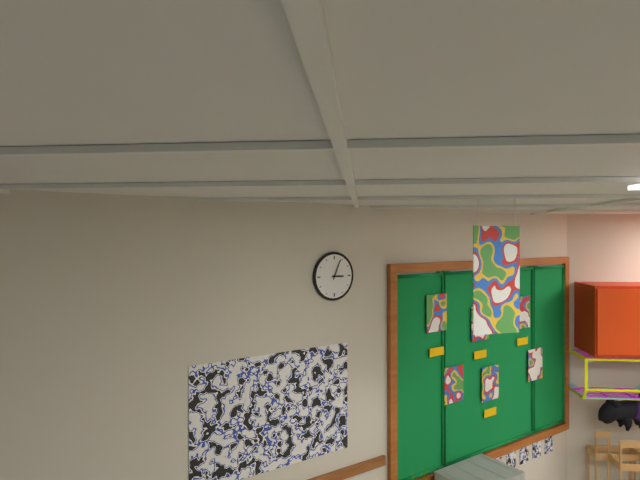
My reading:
3 h 04 min
